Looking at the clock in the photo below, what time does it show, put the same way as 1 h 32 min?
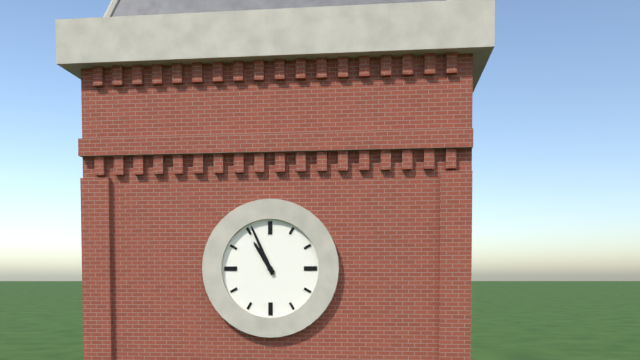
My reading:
10 h 56 min
